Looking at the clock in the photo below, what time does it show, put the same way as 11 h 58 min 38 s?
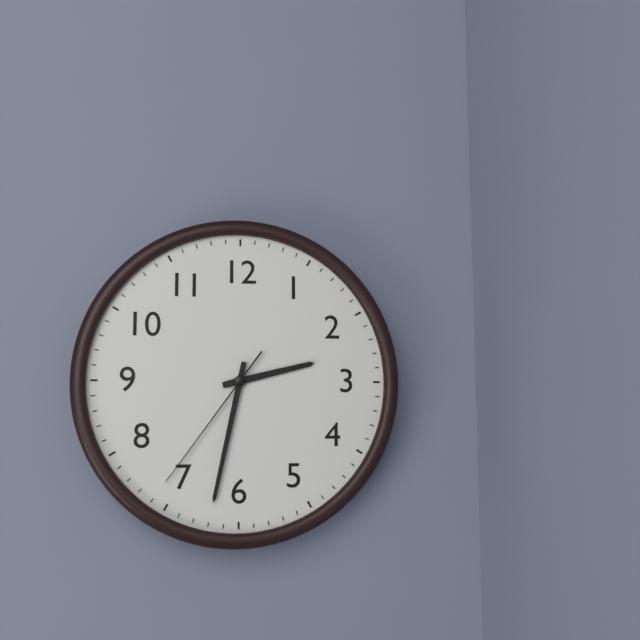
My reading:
2 h 32 min 36 s
